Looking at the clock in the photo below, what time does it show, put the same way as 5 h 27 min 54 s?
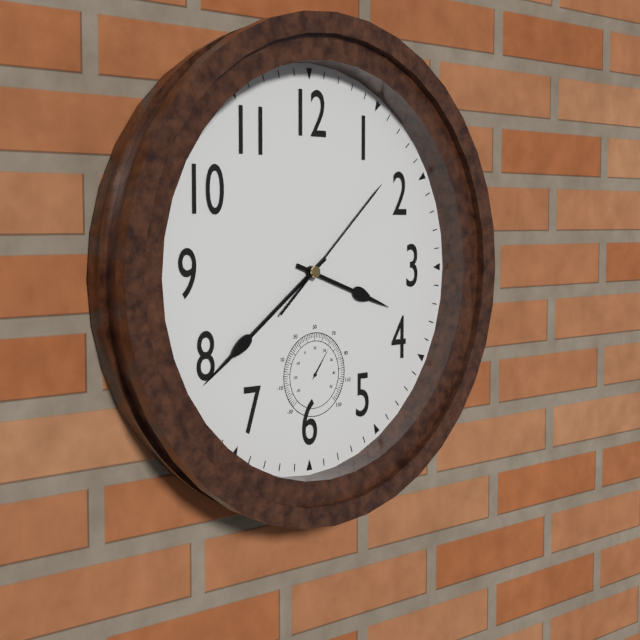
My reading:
3 h 39 min 08 s
